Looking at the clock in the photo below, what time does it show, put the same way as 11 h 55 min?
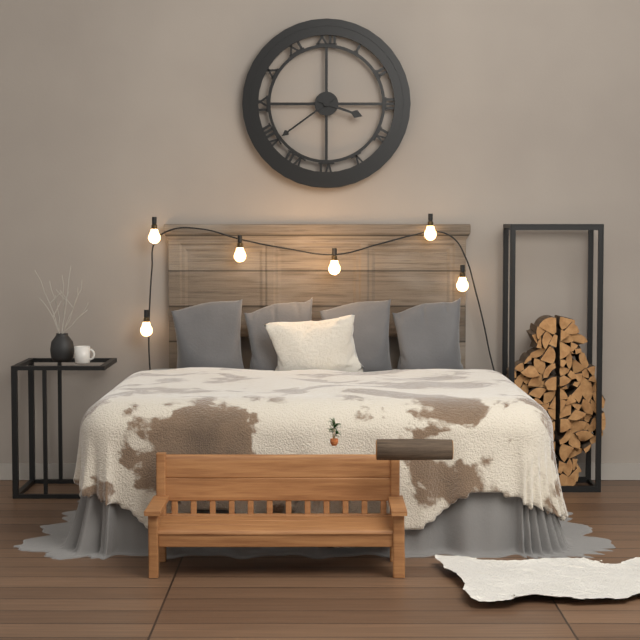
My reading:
3 h 39 min
